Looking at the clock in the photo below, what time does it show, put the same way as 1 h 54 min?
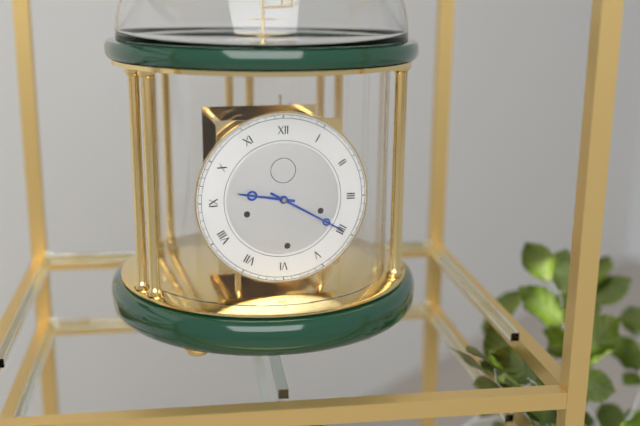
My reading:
9 h 20 min
